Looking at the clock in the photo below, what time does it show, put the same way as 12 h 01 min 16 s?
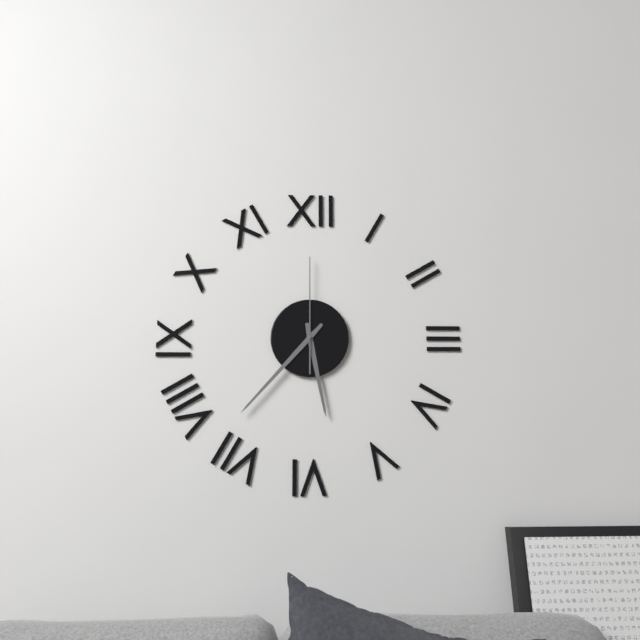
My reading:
5 h 37 min 00 s
